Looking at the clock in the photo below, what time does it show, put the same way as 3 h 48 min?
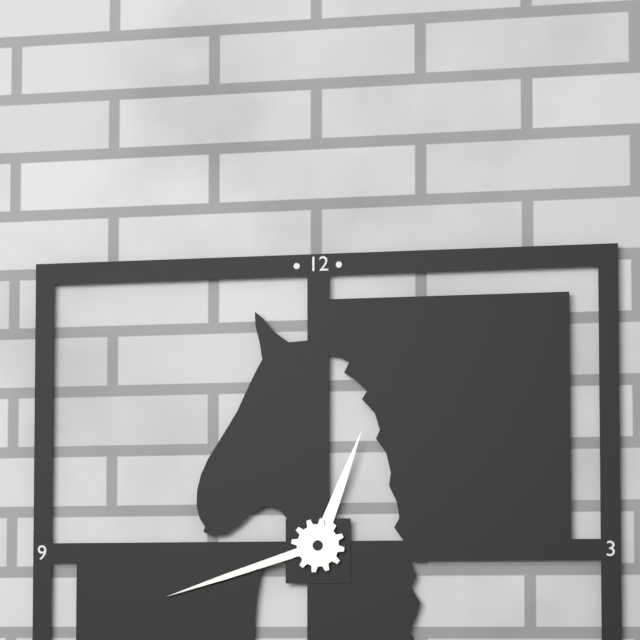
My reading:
12 h 42 min
